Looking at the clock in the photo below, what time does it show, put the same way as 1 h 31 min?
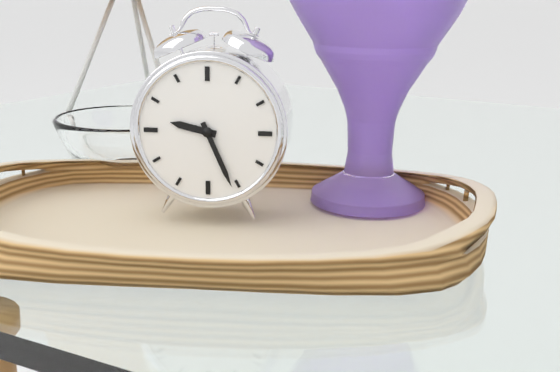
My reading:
9 h 26 min
